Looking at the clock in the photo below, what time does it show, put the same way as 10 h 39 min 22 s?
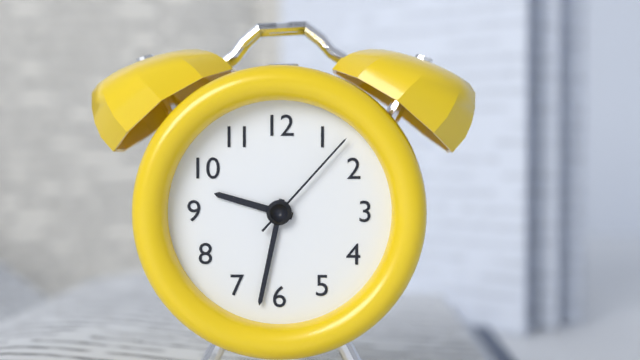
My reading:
9 h 32 min 07 s
